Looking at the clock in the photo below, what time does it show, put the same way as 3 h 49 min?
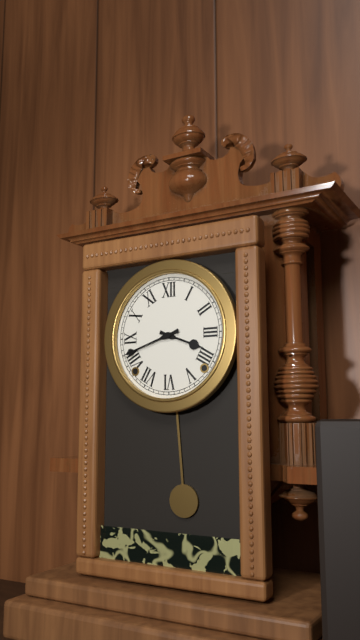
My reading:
3 h 42 min
